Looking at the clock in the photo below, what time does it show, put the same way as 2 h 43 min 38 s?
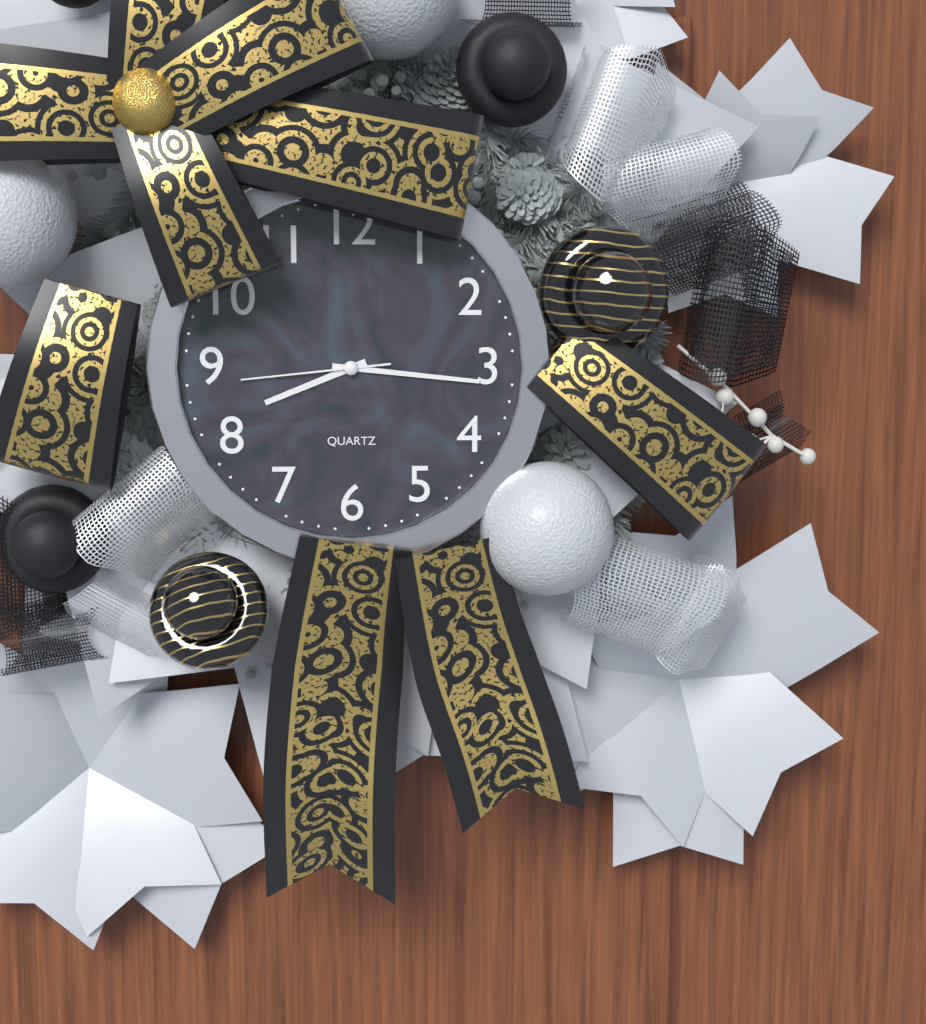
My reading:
8 h 16 min 44 s
